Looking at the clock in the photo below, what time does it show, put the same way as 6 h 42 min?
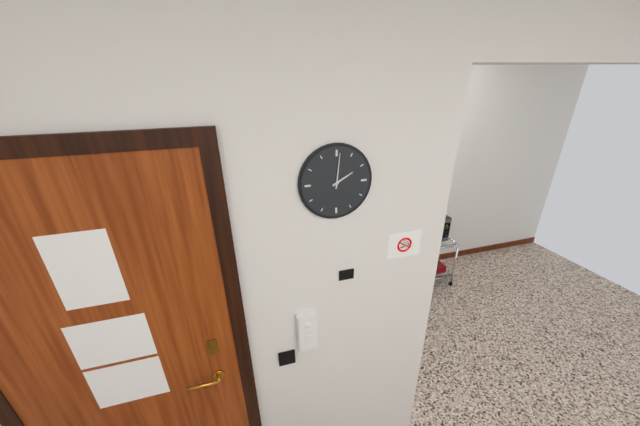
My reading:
2 h 01 min
